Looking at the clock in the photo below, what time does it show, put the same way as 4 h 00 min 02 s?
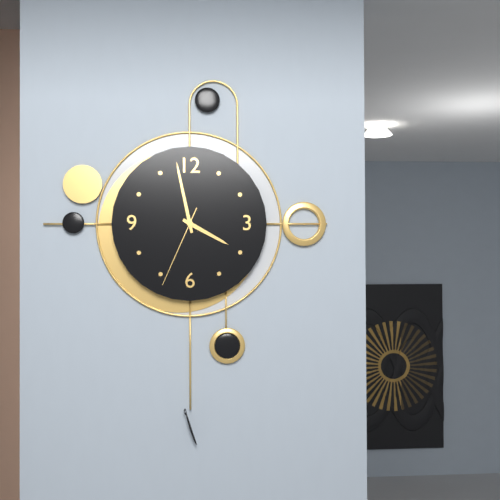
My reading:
3 h 58 min 34 s
